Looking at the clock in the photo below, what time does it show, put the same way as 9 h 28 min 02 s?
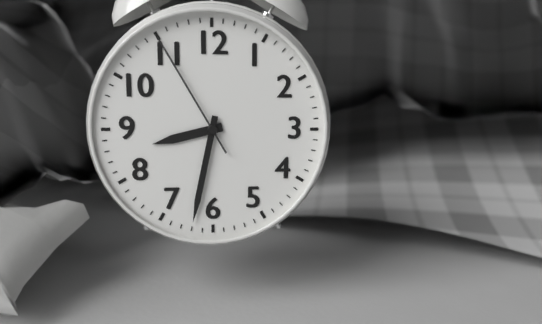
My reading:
8 h 32 min 55 s
